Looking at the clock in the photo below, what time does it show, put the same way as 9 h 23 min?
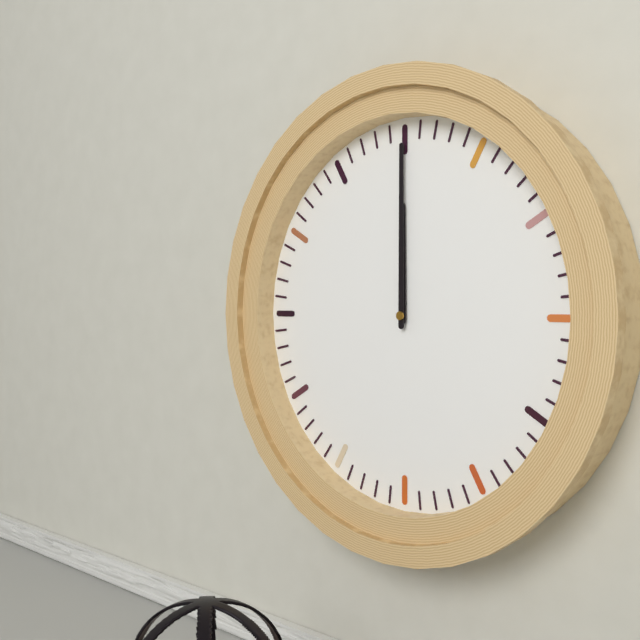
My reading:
12 h 00 min
